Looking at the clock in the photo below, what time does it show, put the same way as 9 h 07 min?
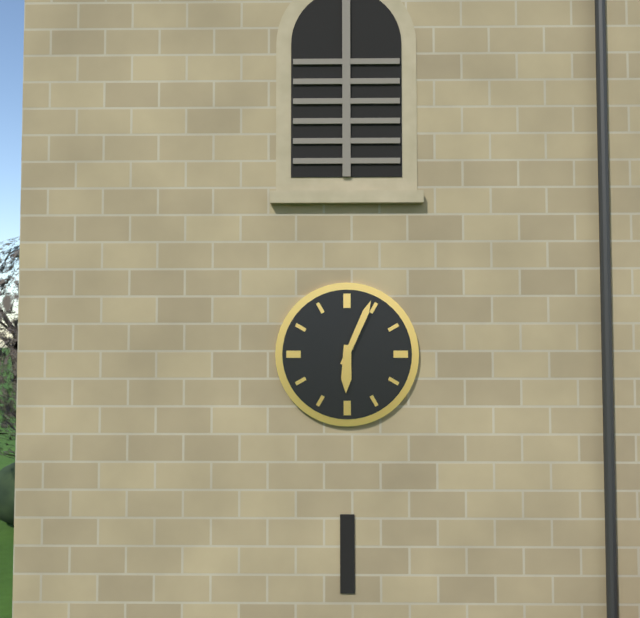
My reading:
6 h 04 min
